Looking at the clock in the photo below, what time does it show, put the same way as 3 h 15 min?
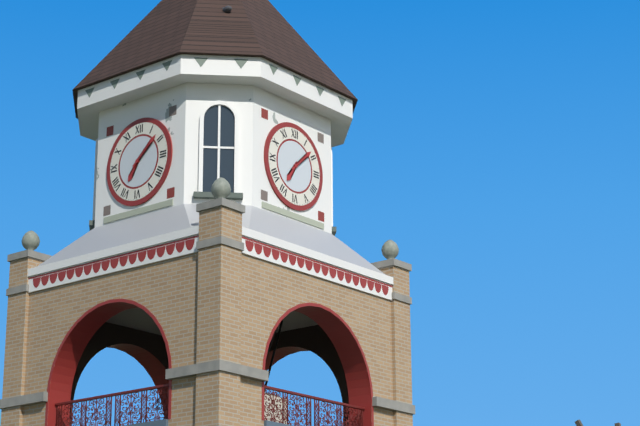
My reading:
7 h 08 min
